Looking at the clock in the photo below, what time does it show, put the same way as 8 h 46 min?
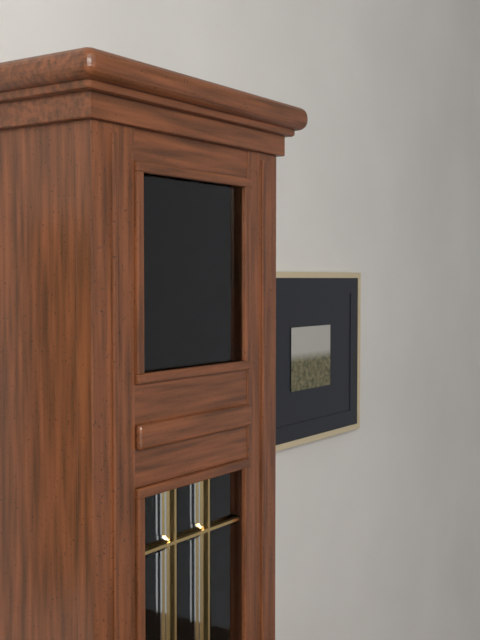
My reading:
1 h 43 min
